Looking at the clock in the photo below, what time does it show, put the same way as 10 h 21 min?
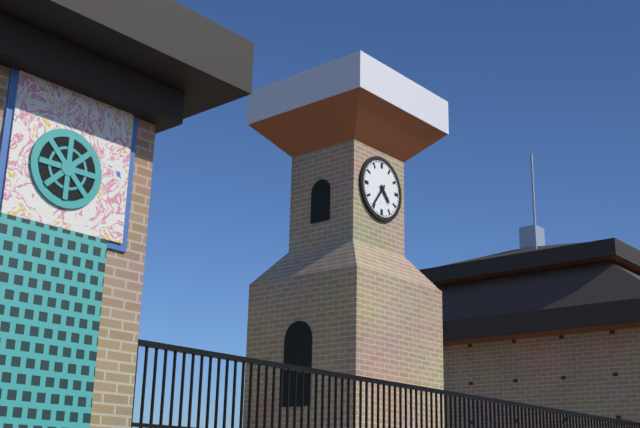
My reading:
4 h 36 min
